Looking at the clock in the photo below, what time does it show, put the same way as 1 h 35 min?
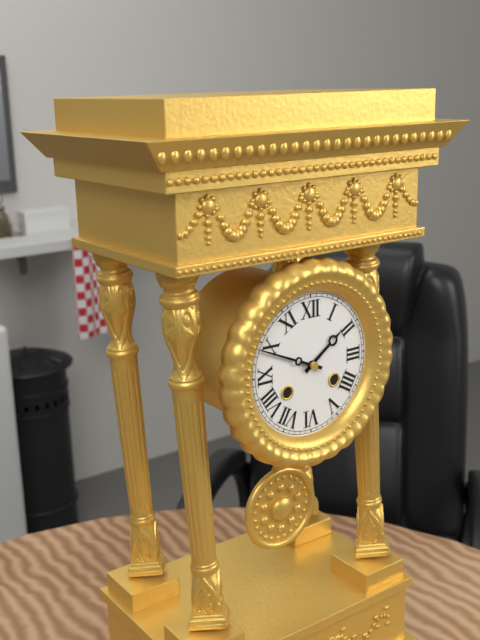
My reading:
1 h 49 min
